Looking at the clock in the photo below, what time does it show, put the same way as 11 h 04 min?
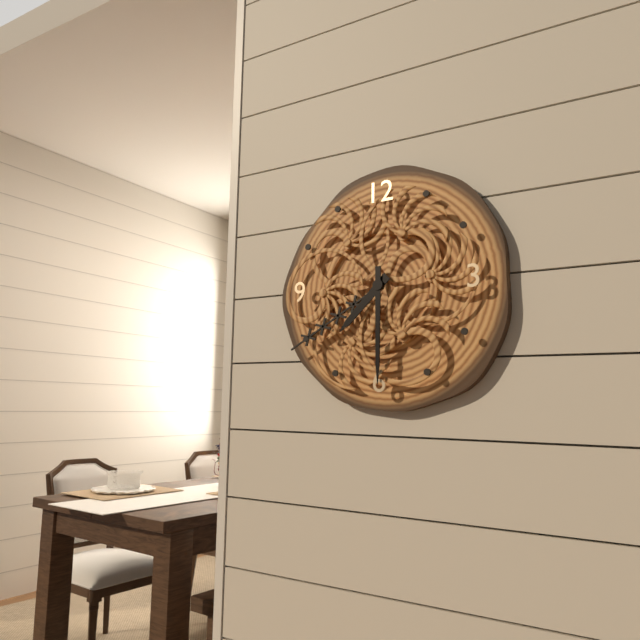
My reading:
7 h 30 min
